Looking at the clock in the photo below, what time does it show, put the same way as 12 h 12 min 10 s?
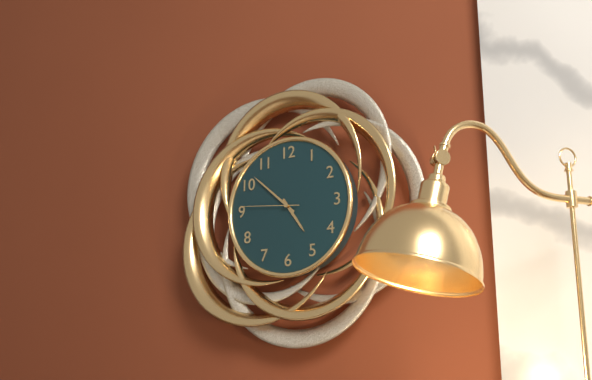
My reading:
4 h 52 min 46 s
